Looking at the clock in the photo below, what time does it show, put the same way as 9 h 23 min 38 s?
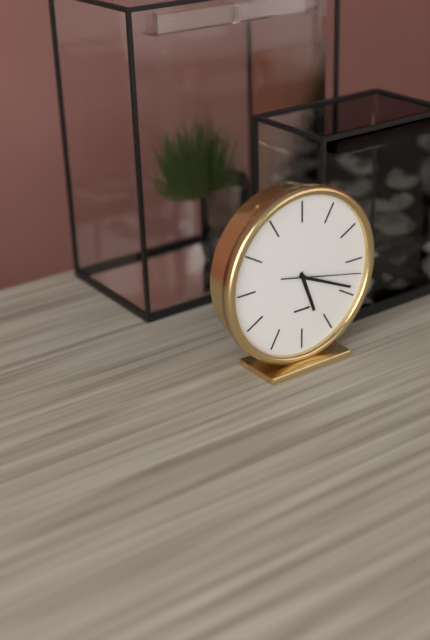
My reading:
5 h 19 min 17 s
